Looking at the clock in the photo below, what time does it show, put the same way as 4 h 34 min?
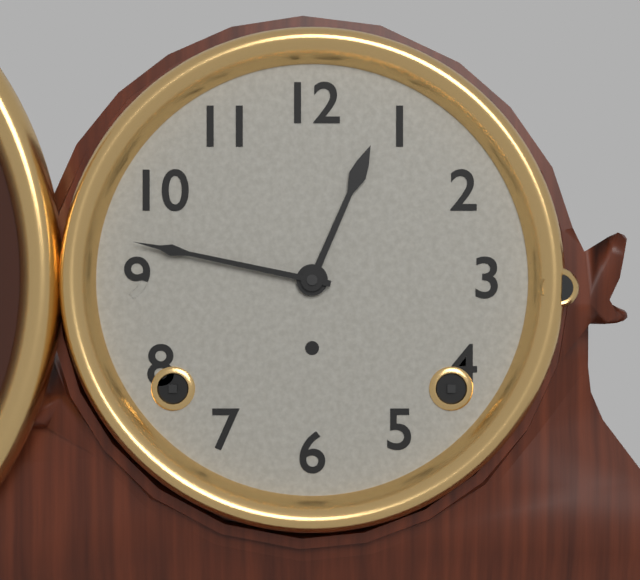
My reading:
12 h 47 min
